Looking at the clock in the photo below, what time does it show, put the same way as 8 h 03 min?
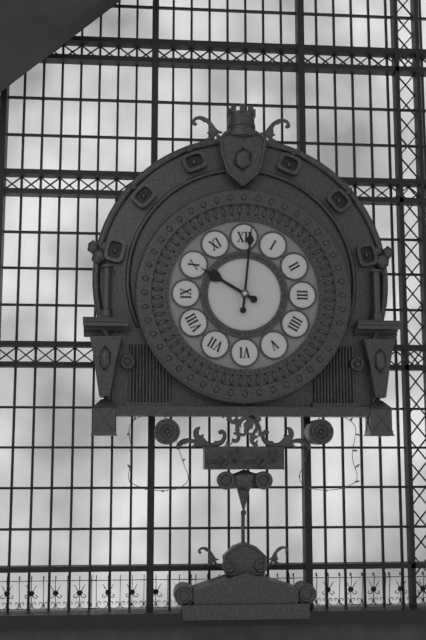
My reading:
10 h 01 min
